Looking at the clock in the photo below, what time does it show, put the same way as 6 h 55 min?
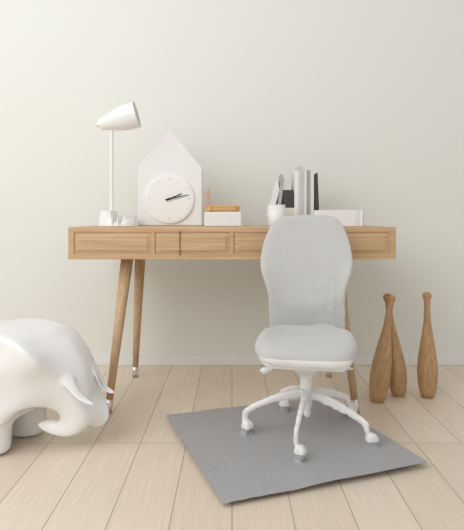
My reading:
2 h 13 min
